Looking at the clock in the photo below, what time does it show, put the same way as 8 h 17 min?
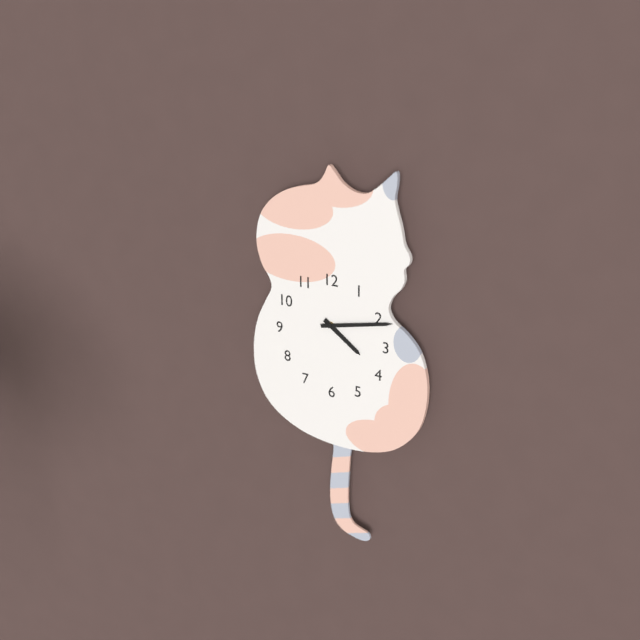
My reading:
4 h 13 min
